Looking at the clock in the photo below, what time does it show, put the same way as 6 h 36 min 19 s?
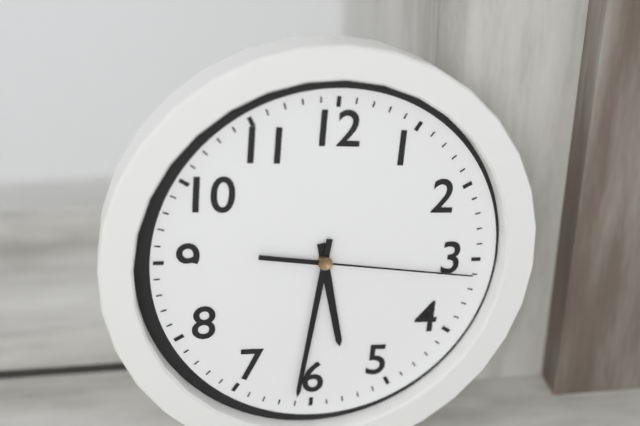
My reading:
5 h 31 min 16 s
